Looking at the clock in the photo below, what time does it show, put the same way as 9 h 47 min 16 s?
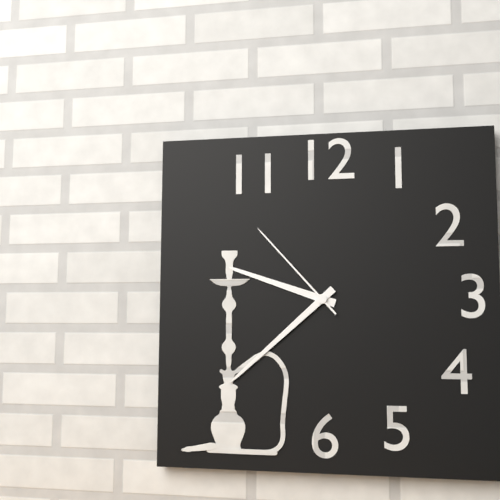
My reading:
9 h 38 min 53 s
